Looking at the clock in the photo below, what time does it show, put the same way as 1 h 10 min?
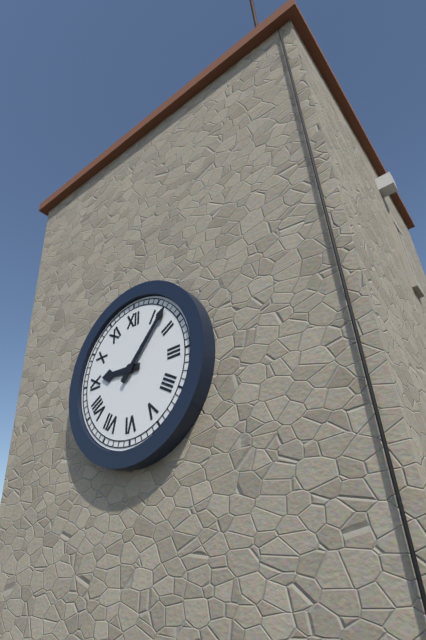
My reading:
9 h 07 min
